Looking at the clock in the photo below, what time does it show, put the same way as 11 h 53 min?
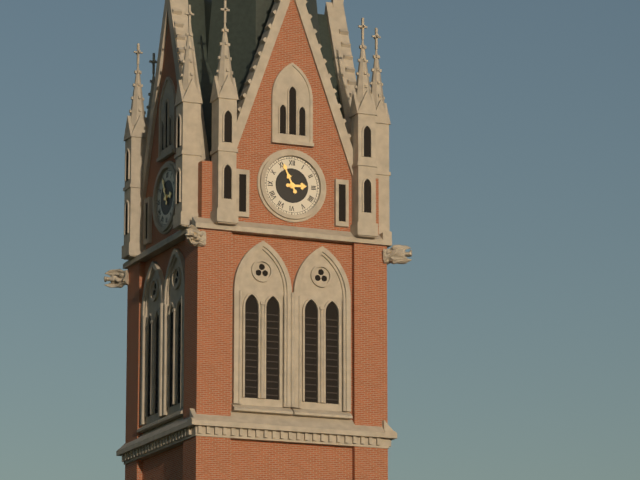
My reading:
2 h 56 min
